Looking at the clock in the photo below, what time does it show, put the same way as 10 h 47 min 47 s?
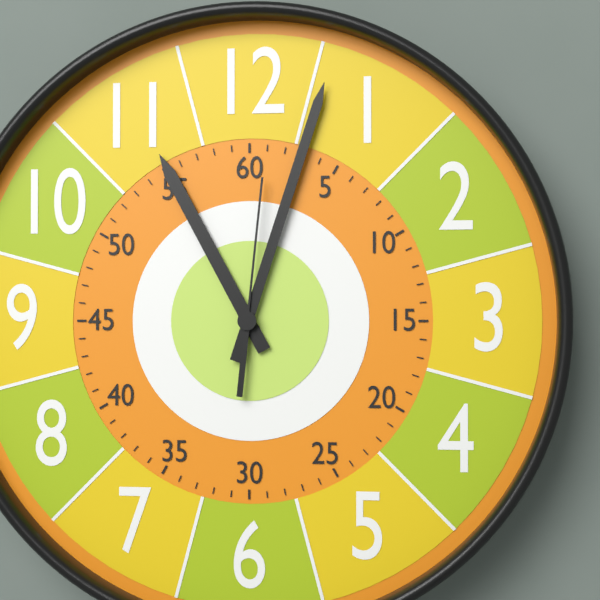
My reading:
11 h 03 min 01 s
